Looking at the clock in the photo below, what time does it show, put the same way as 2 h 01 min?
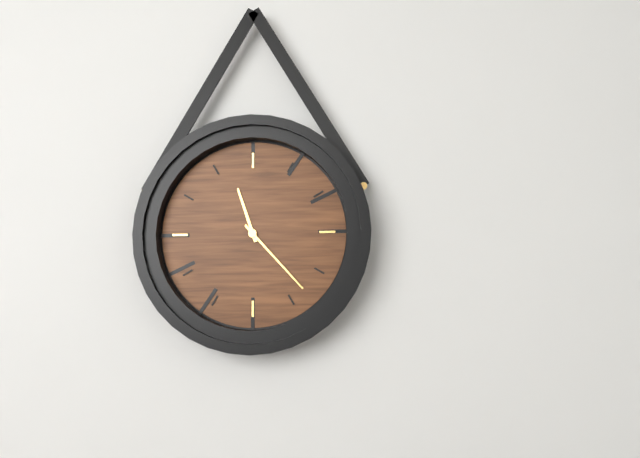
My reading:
11 h 23 min
